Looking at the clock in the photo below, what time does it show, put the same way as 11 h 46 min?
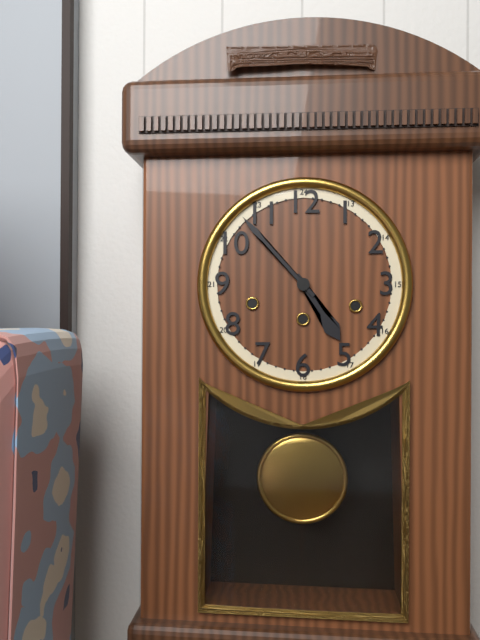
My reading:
4 h 53 min
